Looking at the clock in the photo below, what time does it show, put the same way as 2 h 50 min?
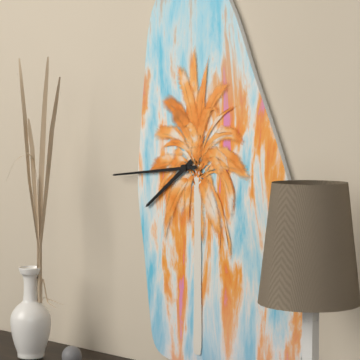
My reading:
7 h 44 min
